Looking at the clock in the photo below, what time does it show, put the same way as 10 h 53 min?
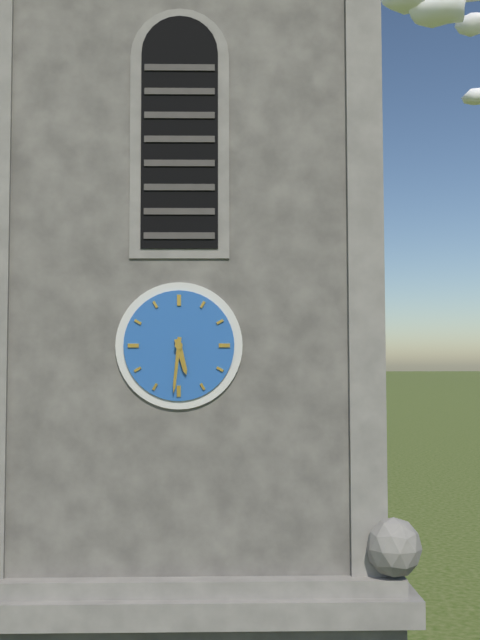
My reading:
5 h 31 min
